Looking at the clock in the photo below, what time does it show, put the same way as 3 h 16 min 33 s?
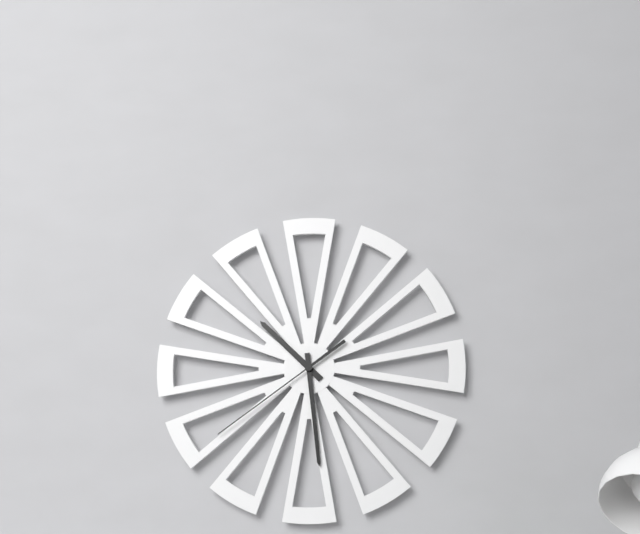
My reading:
10 h 29 min 39 s
